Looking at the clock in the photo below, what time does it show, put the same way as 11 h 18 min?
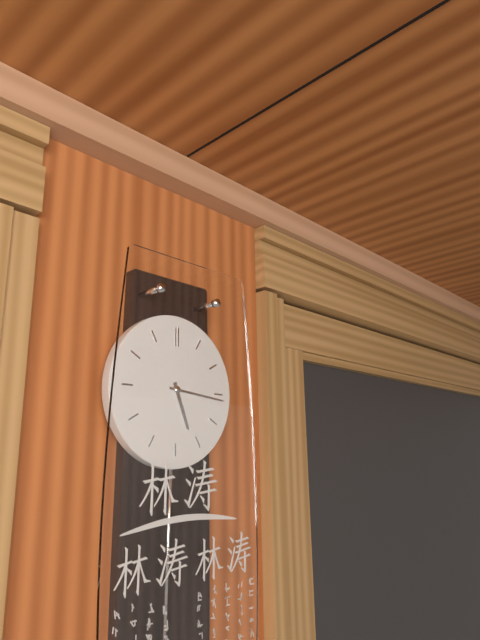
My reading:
5 h 16 min
